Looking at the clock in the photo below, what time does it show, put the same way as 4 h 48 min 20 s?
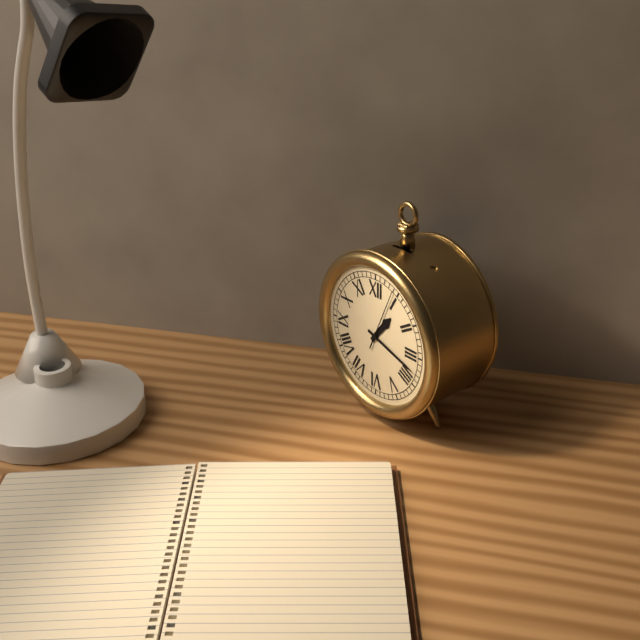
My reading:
1 h 18 min 04 s
